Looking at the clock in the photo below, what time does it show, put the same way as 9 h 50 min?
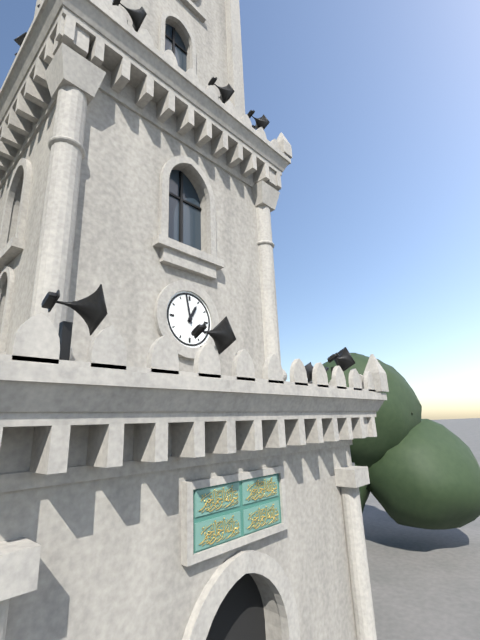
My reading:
12 h 58 min
